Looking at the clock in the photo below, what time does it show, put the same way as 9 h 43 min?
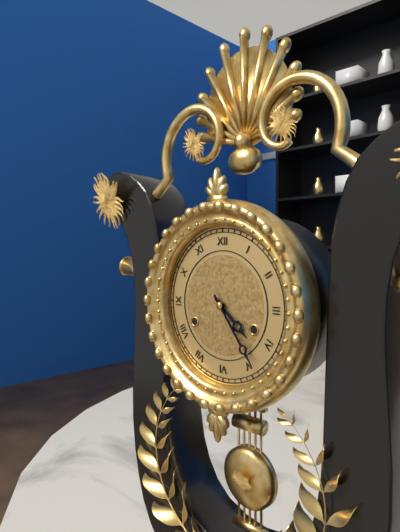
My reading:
4 h 24 min
